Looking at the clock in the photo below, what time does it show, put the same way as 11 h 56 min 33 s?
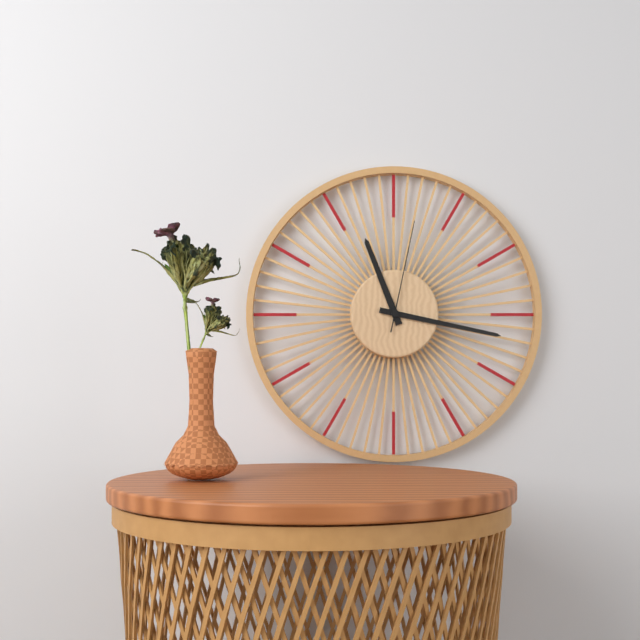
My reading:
11 h 17 min 02 s
